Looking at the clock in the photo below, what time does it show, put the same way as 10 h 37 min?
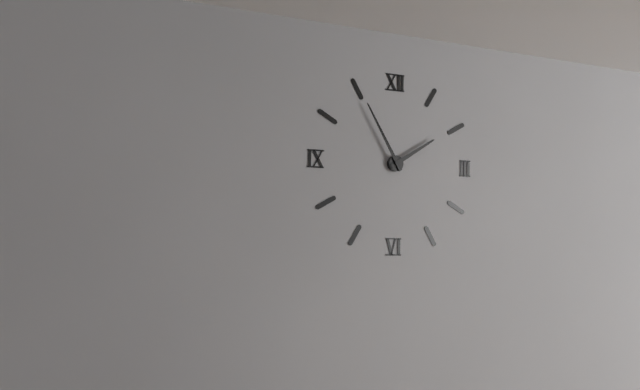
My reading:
1 h 55 min
